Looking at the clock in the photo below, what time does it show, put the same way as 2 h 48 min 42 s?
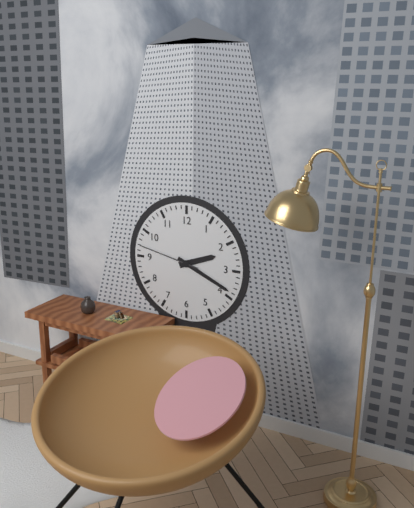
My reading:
2 h 19 min 47 s
